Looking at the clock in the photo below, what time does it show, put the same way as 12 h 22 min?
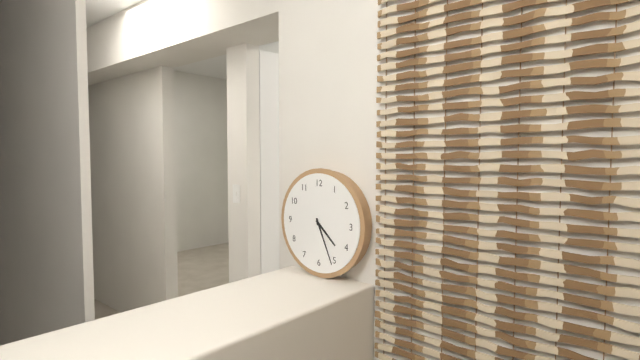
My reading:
4 h 26 min
